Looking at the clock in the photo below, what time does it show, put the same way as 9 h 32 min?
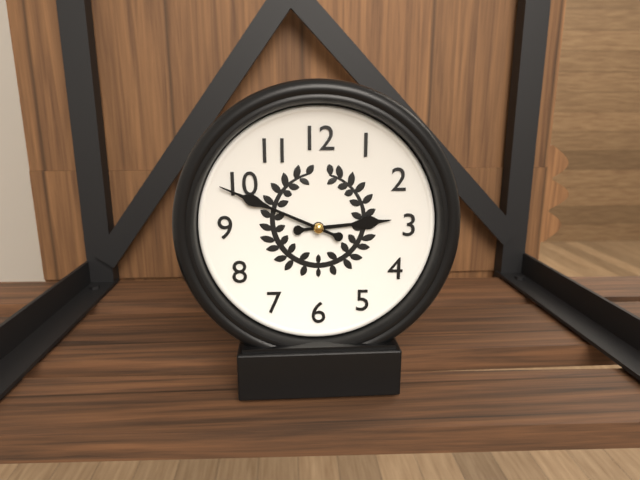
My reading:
2 h 49 min
